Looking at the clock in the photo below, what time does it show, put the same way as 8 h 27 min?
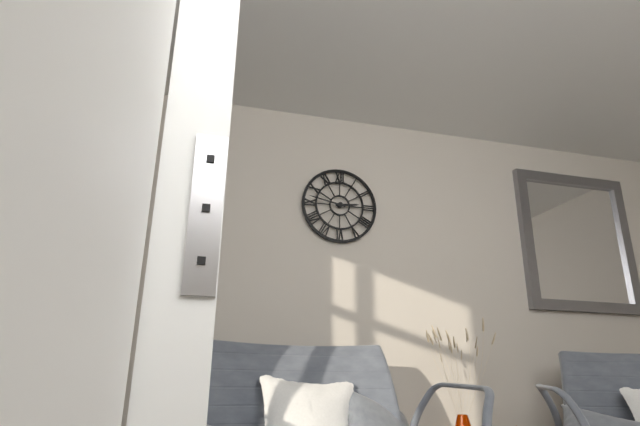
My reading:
2 h 47 min
